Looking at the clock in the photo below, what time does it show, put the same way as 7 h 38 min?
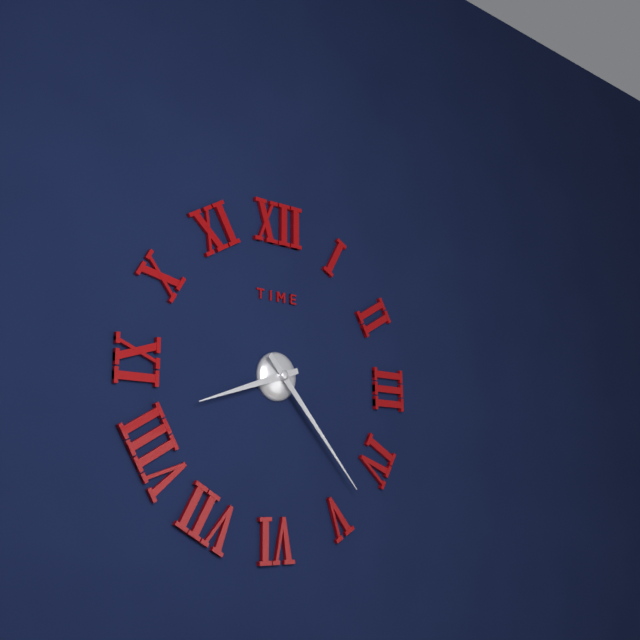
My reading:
8 h 23 min
